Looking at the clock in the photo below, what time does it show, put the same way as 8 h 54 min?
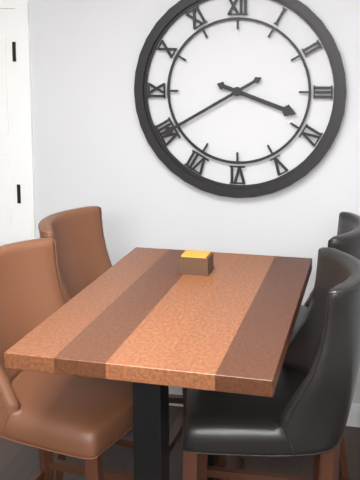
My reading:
3 h 40 min
